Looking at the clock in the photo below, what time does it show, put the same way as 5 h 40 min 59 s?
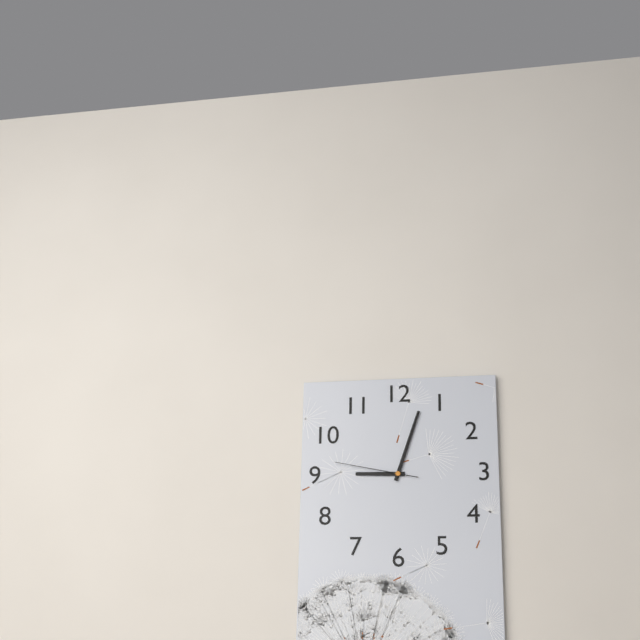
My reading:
9 h 03 min 47 s
